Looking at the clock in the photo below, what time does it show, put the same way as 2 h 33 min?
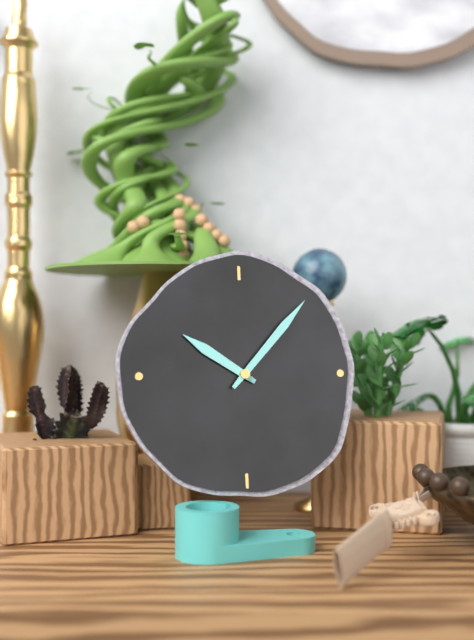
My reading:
10 h 07 min
